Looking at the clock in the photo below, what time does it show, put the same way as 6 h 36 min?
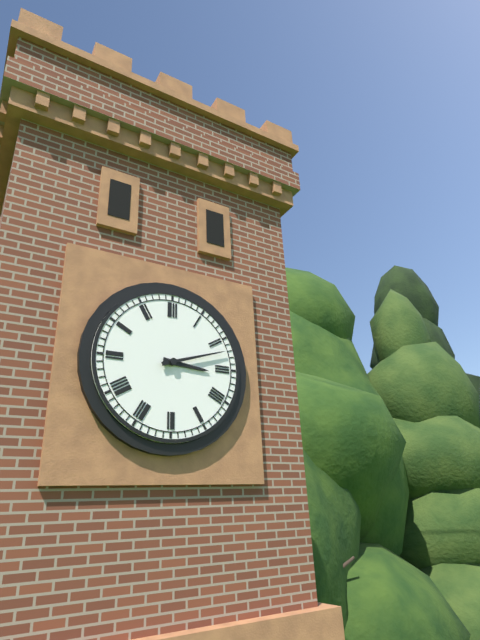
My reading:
3 h 12 min
